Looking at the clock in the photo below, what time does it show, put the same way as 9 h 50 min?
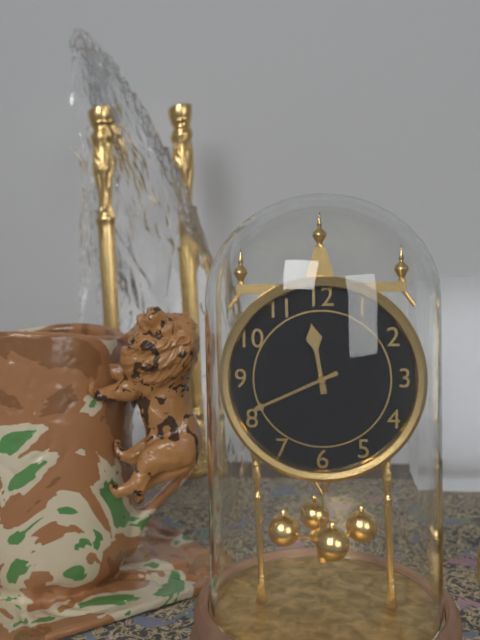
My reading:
11 h 41 min
